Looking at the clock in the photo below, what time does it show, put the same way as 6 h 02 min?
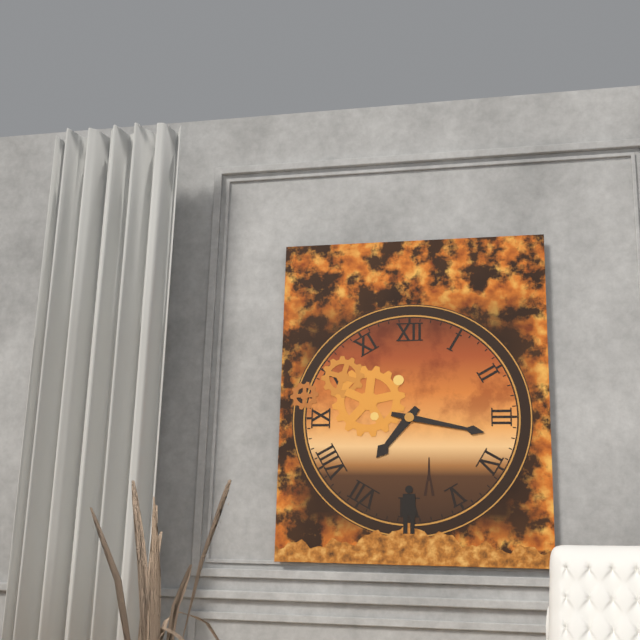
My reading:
7 h 17 min
